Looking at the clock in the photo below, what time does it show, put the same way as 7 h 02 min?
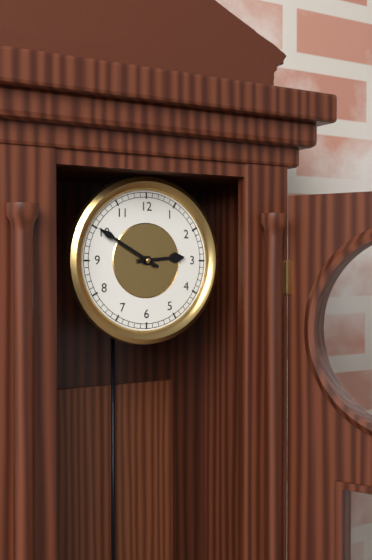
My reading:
2 h 50 min
